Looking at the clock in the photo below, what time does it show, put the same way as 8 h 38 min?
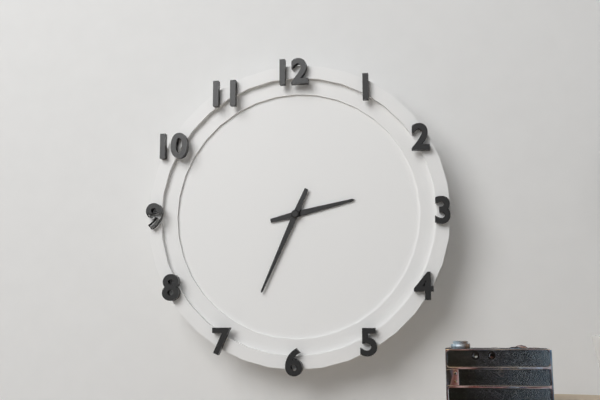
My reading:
2 h 34 min
